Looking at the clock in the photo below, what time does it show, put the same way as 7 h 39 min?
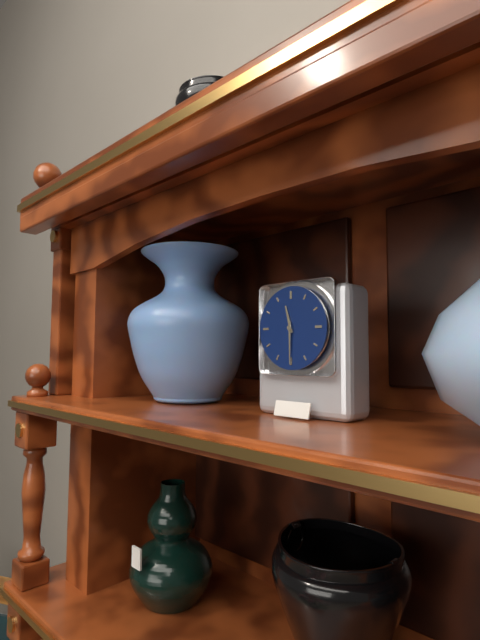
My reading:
11 h 30 min
